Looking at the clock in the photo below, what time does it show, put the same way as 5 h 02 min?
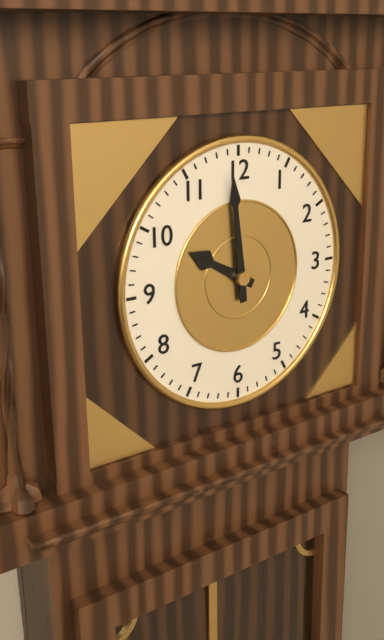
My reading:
9 h 59 min
